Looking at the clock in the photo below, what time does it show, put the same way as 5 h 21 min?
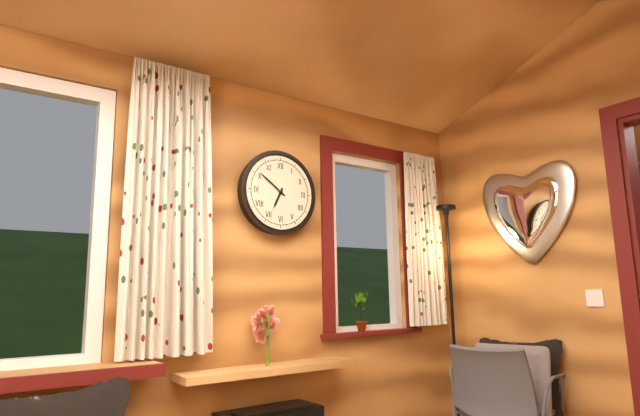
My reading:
6 h 51 min
